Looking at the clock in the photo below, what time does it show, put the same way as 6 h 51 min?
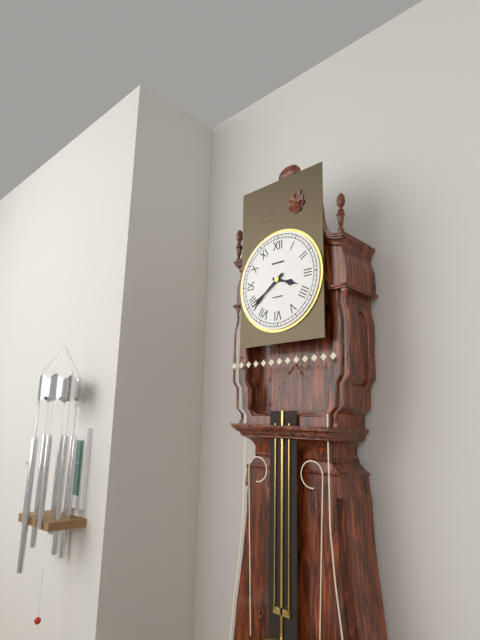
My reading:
3 h 39 min
